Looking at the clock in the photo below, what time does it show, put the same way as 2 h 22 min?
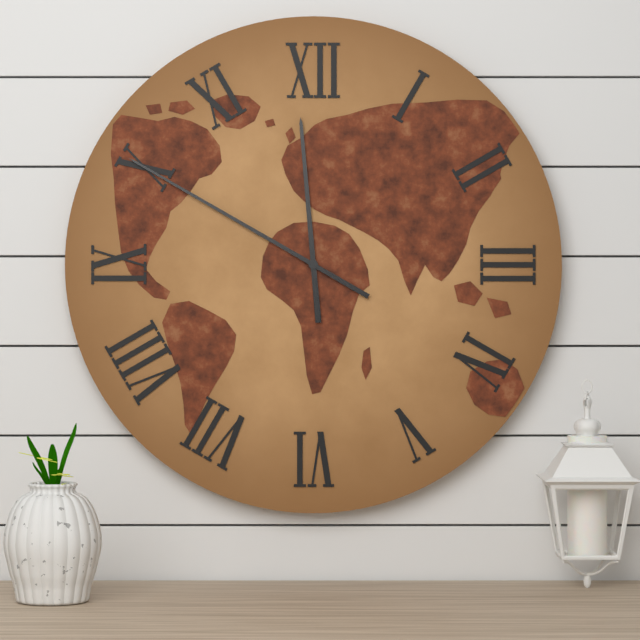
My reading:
11 h 50 min
